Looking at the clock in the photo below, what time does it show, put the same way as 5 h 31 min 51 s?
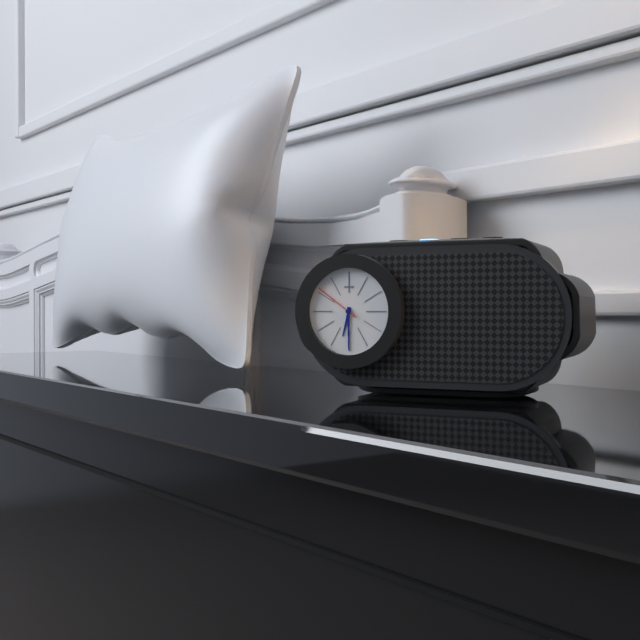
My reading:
6 h 30 min 51 s
